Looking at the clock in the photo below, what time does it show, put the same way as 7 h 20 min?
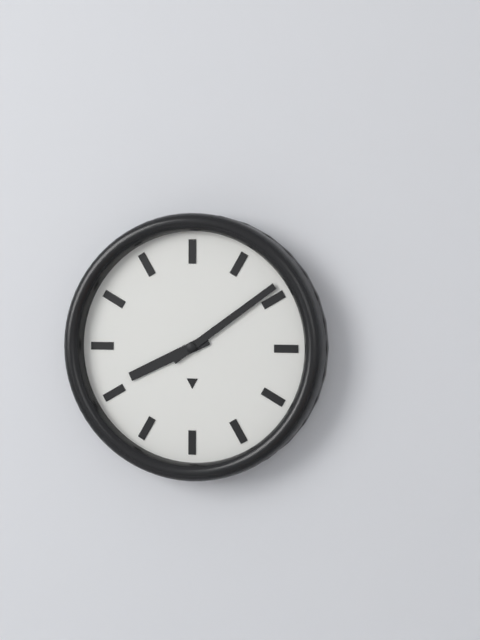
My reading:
8 h 09 min
